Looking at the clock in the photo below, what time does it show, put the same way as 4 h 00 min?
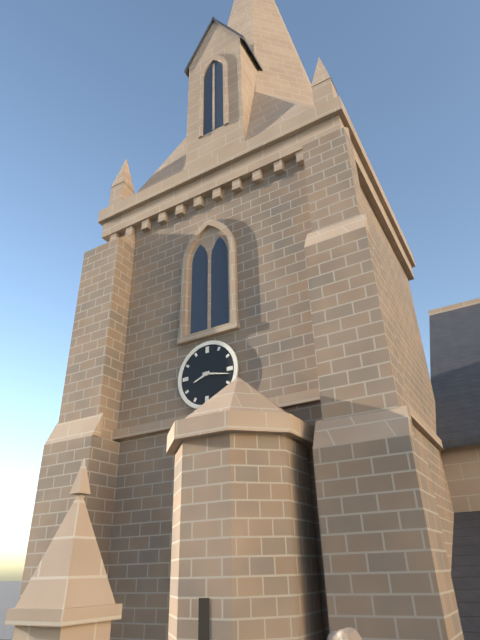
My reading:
8 h 17 min
